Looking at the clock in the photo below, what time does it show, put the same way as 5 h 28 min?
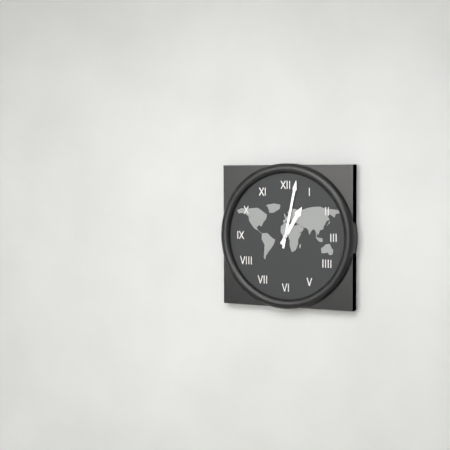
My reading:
1 h 02 min
